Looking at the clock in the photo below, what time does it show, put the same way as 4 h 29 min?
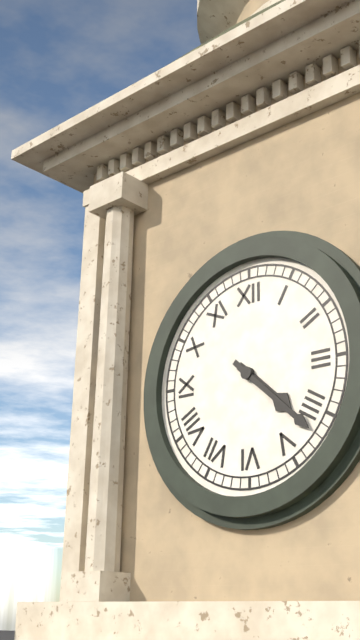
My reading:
4 h 22 min
